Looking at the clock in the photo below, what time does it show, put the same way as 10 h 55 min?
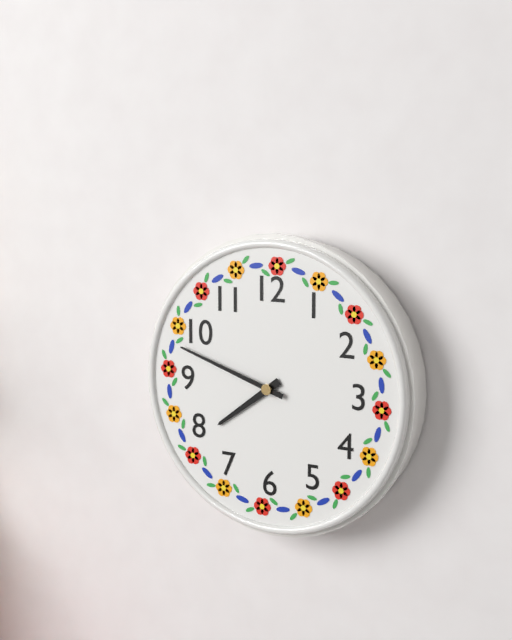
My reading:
7 h 48 min
